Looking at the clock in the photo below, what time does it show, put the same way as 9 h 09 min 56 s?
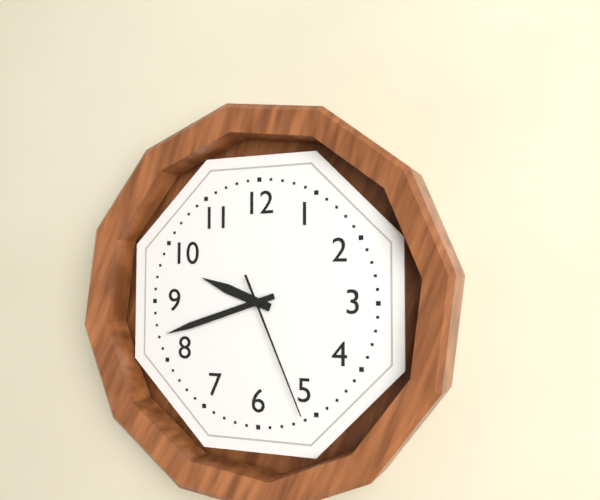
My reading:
9 h 42 min 26 s
